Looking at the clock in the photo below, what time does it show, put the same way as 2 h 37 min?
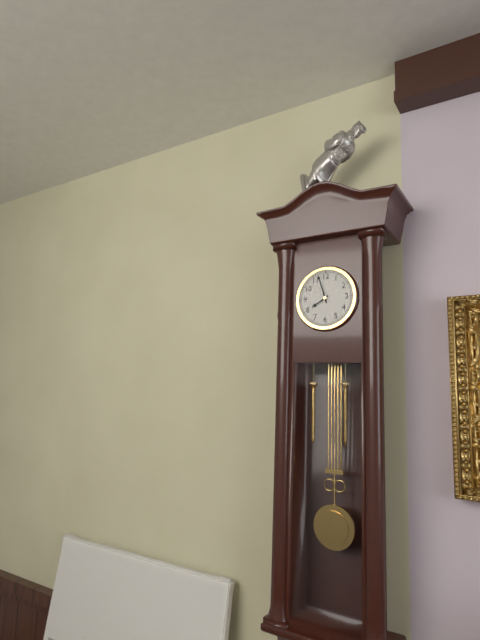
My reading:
7 h 57 min
